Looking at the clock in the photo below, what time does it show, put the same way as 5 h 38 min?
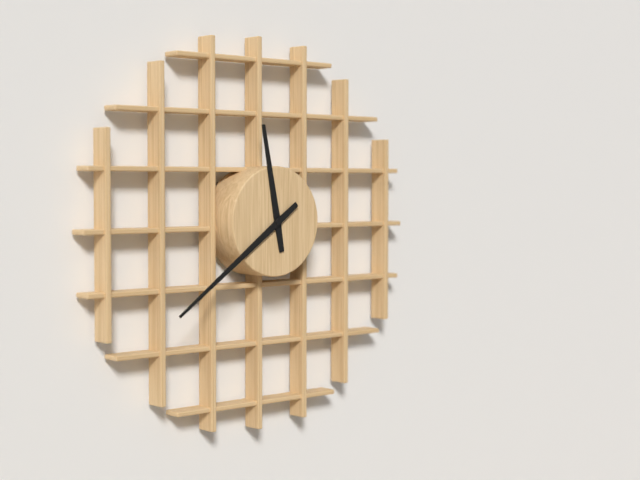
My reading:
11 h 39 min
